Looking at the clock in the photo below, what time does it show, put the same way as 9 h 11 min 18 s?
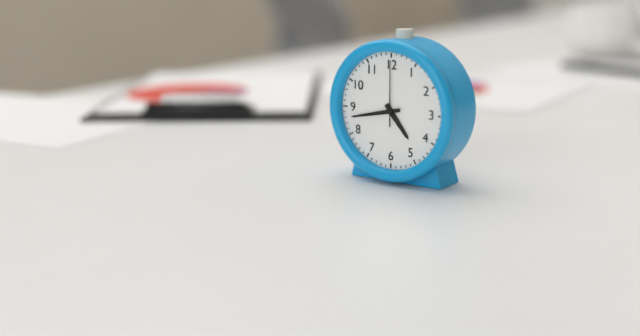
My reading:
4 h 43 min 00 s
